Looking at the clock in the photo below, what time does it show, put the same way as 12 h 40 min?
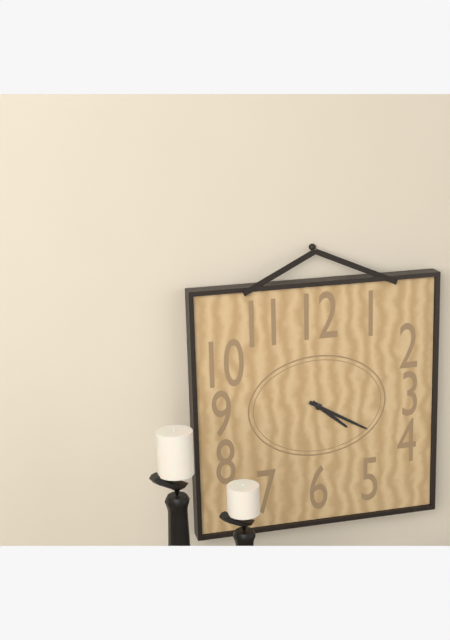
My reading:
4 h 20 min
